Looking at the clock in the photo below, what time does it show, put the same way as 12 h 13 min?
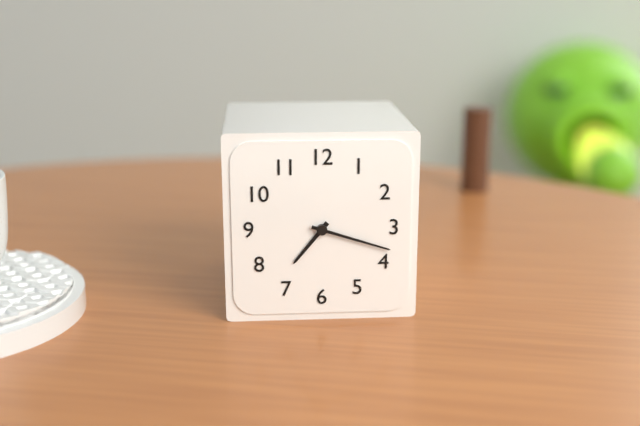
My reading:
7 h 18 min
